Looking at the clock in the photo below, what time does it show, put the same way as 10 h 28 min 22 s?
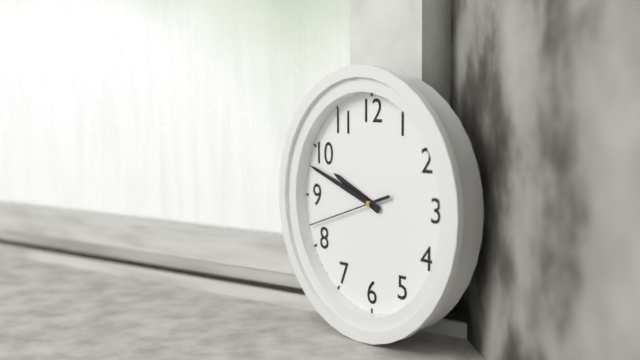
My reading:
9 h 48 min 42 s
